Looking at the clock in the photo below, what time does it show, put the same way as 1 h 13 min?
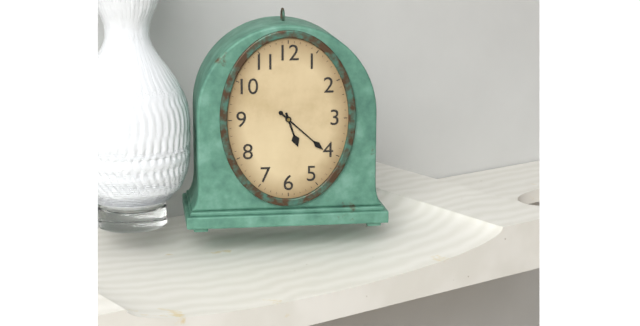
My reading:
5 h 22 min
